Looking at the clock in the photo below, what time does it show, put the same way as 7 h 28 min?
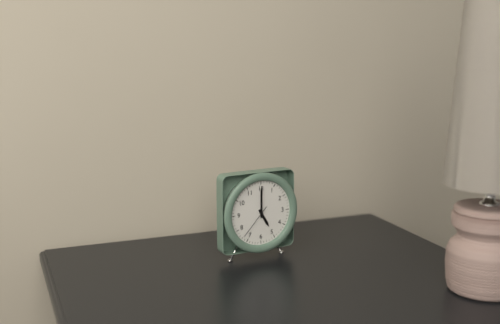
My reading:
5 h 00 min
